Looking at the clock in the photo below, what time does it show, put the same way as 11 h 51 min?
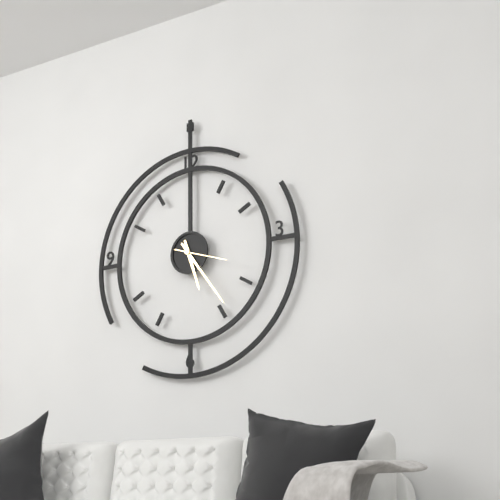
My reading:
5 h 24 min
